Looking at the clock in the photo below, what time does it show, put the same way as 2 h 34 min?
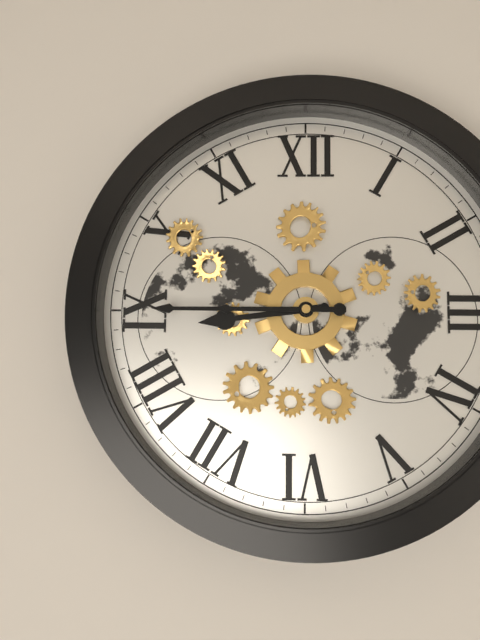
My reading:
8 h 45 min
